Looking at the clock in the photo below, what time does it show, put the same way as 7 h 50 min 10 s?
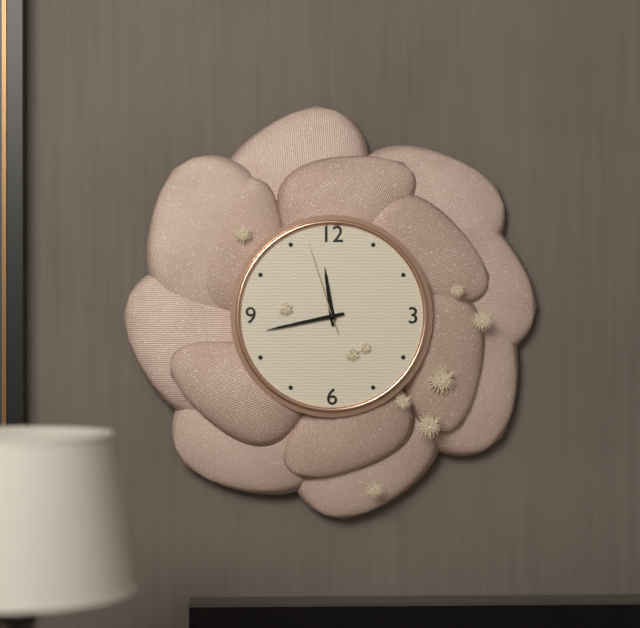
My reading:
11 h 43 min 57 s
